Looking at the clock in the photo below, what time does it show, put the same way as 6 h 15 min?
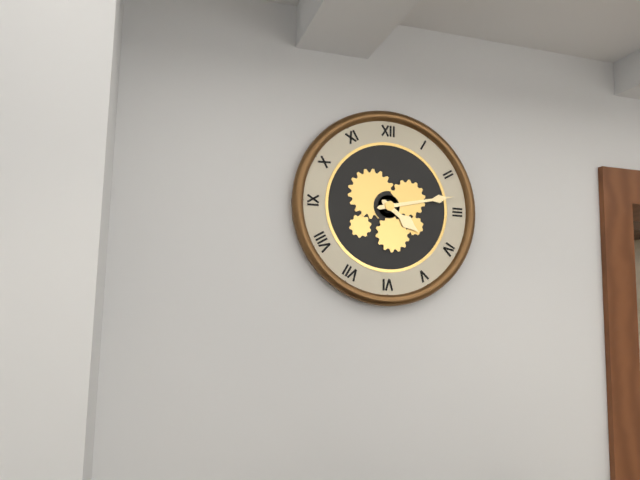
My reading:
4 h 13 min
